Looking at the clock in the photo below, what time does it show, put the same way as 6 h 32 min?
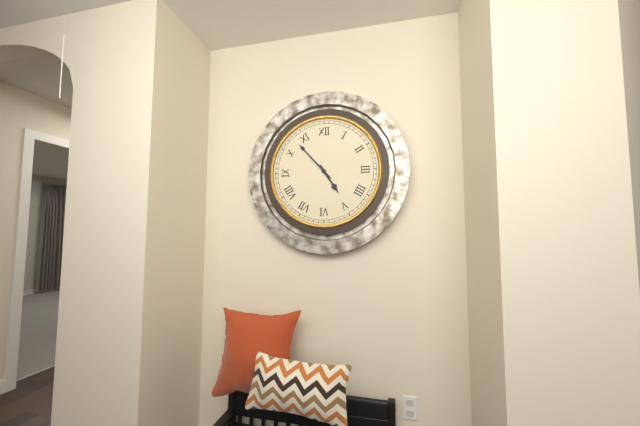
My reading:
4 h 53 min
